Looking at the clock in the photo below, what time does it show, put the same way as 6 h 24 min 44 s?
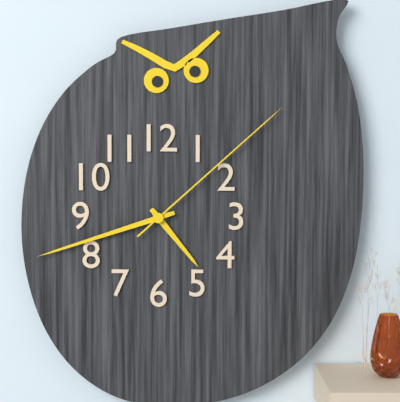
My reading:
4 h 42 min 08 s
